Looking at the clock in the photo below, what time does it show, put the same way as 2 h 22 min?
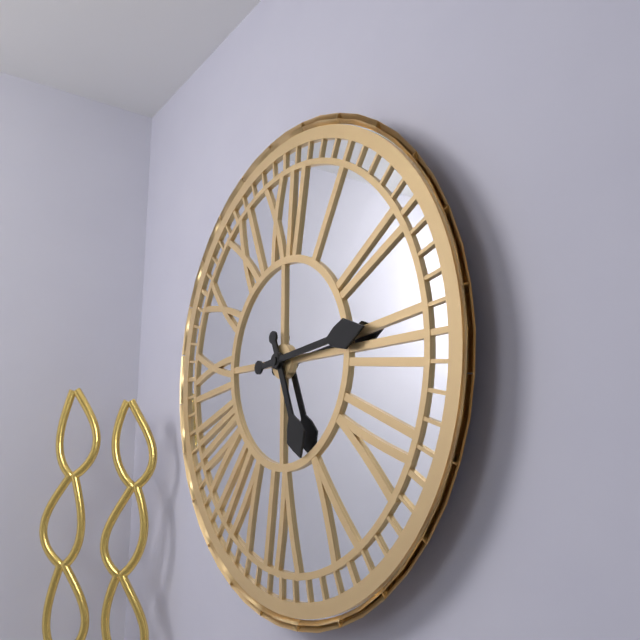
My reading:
5 h 14 min
